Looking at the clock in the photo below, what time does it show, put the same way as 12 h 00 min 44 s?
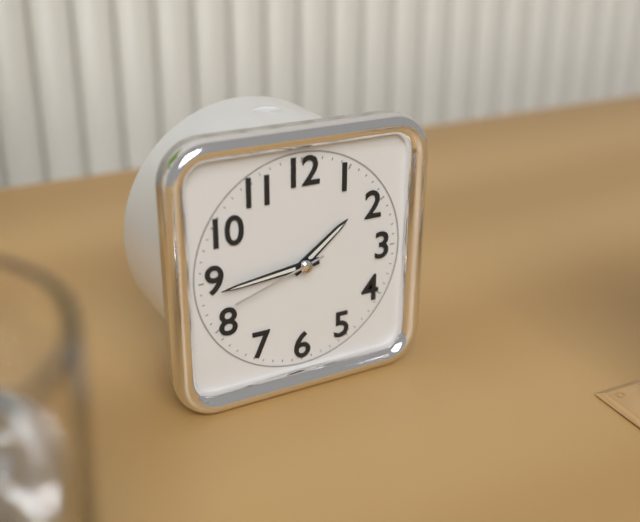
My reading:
1 h 44 min 42 s
